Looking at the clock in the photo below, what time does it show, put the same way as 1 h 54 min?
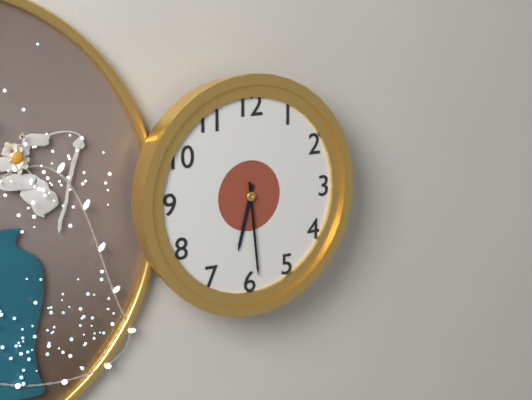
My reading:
6 h 29 min
